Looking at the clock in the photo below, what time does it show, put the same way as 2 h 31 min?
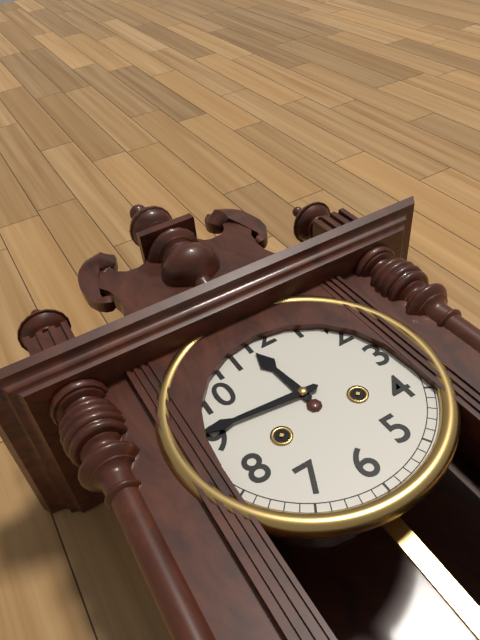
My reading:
11 h 46 min
